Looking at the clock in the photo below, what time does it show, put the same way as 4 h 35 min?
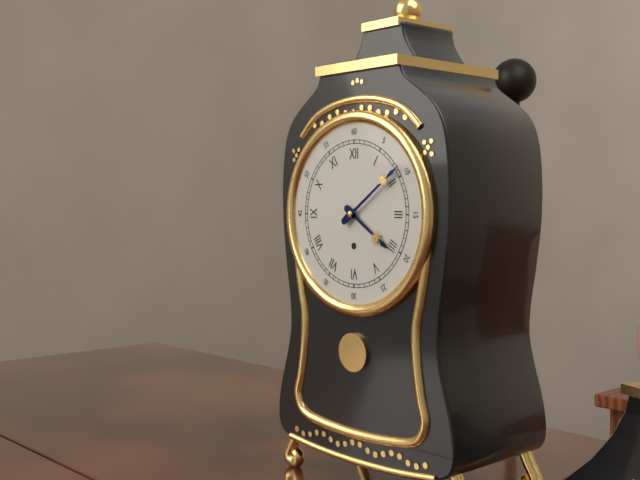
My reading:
4 h 09 min
